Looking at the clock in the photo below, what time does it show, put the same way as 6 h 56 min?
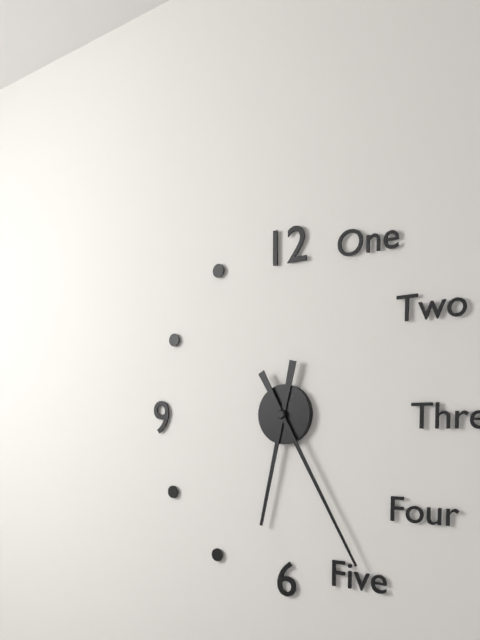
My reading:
6 h 25 min
